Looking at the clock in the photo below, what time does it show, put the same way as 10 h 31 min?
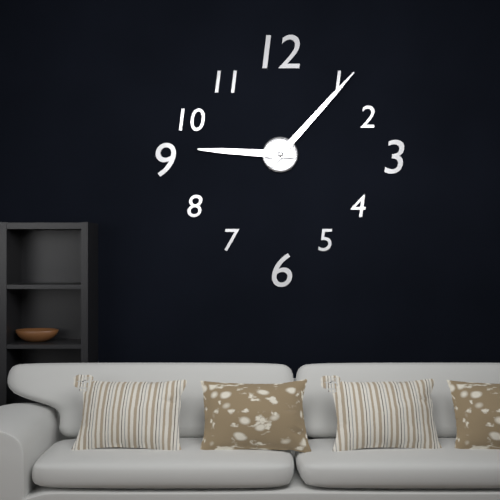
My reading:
9 h 07 min
